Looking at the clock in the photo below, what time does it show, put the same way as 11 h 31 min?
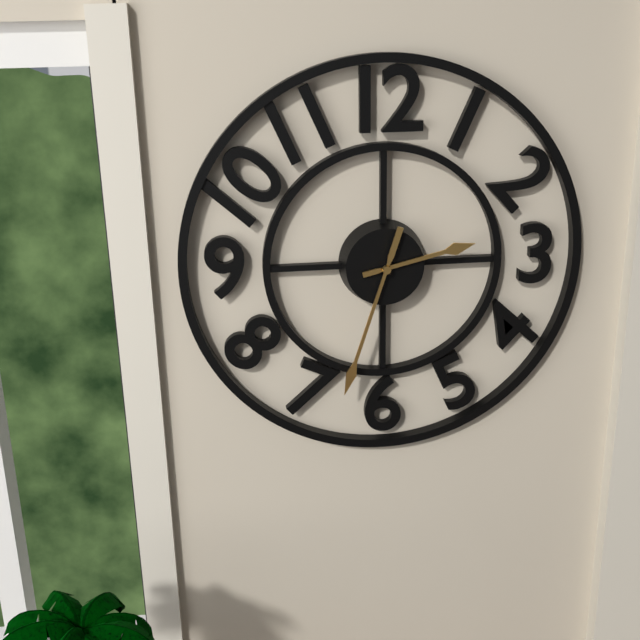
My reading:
2 h 33 min
